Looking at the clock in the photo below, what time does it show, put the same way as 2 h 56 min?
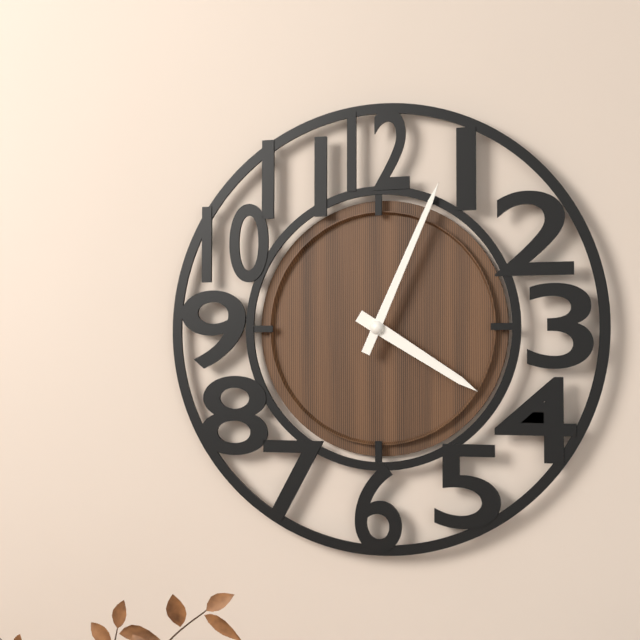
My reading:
4 h 04 min
